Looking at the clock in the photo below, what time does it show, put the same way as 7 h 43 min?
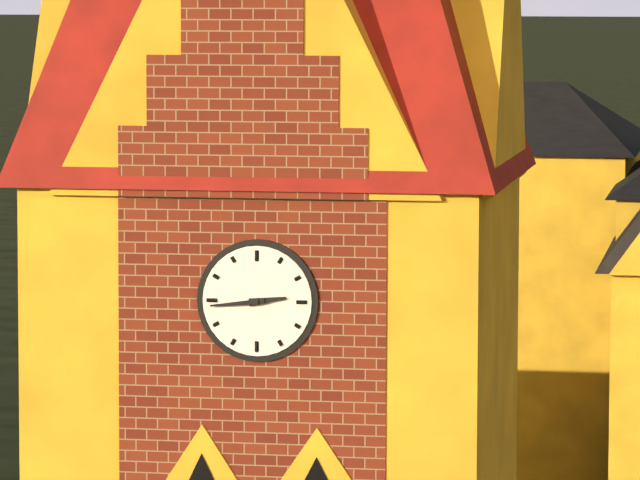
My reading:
2 h 44 min
